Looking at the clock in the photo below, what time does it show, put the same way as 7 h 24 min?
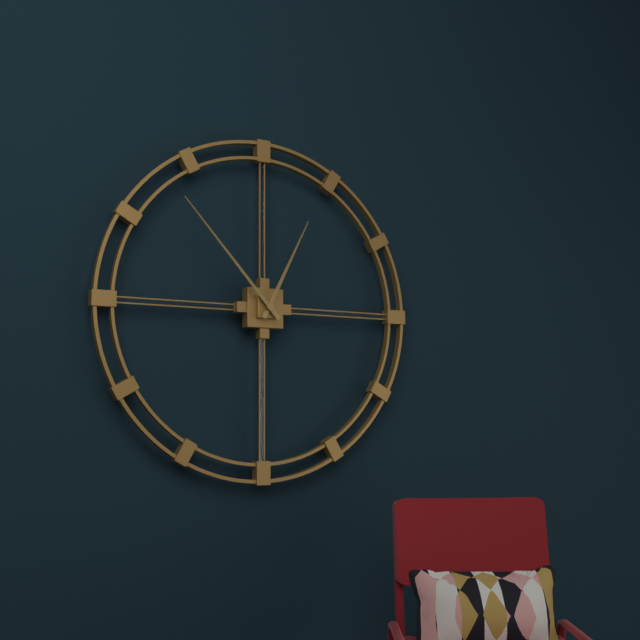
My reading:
12 h 53 min
